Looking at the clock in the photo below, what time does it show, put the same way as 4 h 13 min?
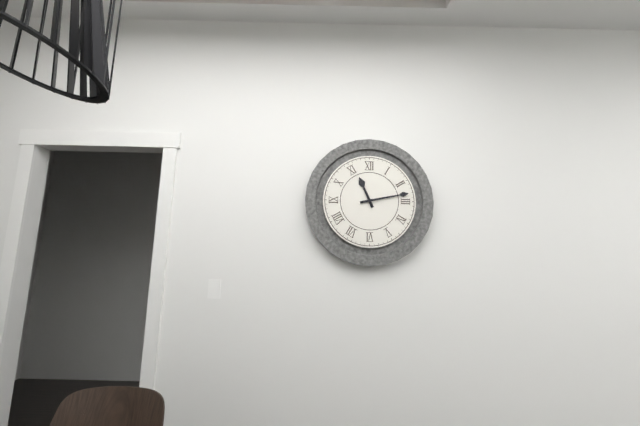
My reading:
11 h 13 min
